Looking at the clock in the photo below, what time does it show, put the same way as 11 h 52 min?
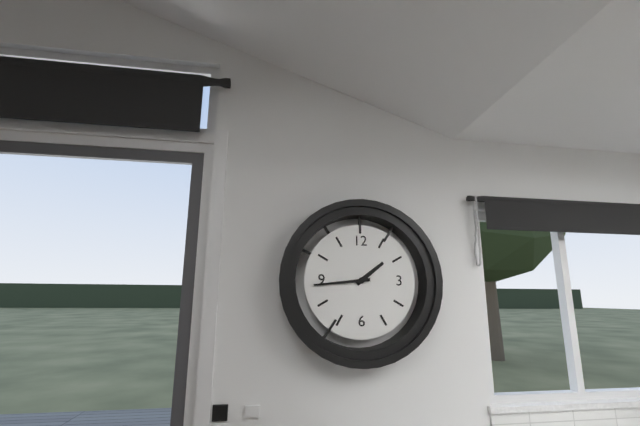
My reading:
1 h 44 min
